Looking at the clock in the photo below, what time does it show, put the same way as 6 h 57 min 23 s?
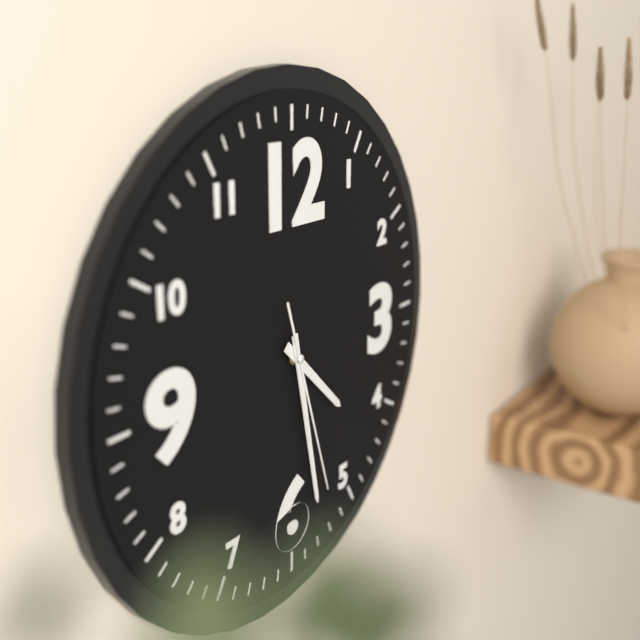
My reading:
4 h 28 min 27 s
